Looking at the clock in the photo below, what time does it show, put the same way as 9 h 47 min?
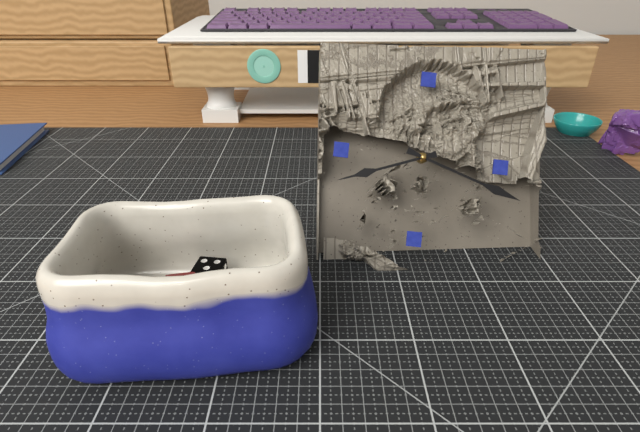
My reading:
8 h 18 min
